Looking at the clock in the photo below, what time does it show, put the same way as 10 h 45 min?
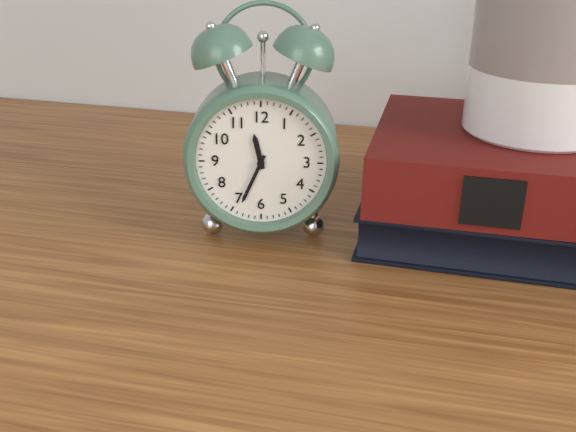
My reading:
11 h 34 min
